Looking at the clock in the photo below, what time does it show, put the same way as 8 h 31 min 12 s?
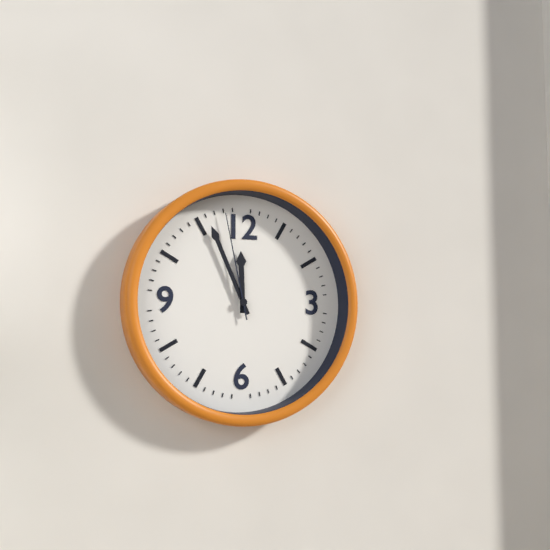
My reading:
11 h 56 min 58 s
